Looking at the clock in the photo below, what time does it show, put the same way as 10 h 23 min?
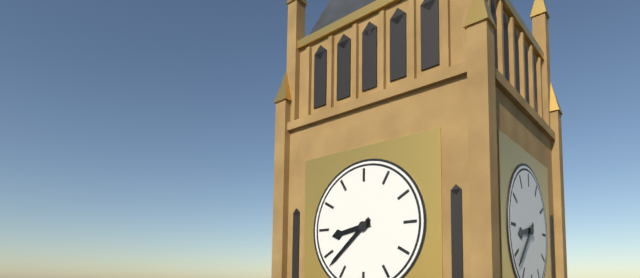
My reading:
8 h 38 min
